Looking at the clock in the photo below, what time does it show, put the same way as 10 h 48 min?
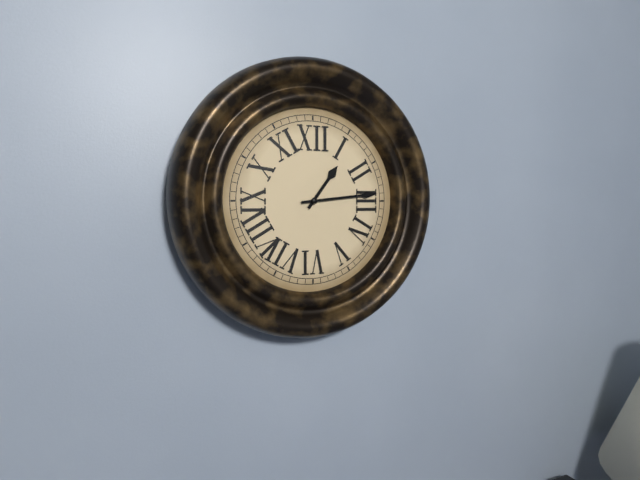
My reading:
1 h 14 min
